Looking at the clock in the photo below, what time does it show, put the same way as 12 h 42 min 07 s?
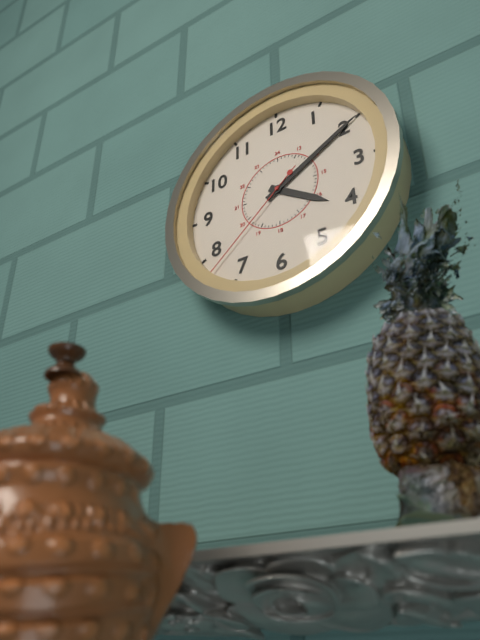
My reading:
4 h 10 min 38 s
